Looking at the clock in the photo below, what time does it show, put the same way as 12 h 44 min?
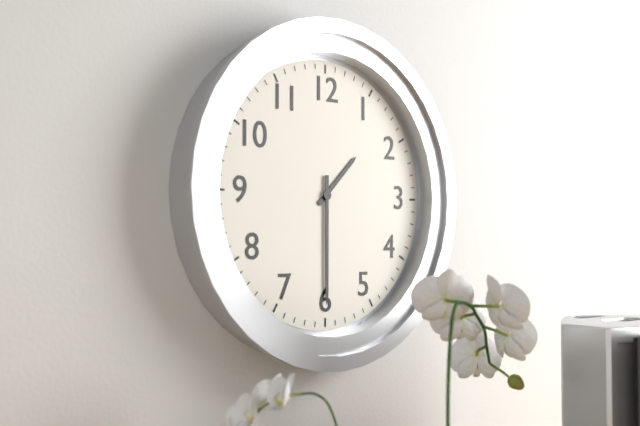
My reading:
1 h 30 min
